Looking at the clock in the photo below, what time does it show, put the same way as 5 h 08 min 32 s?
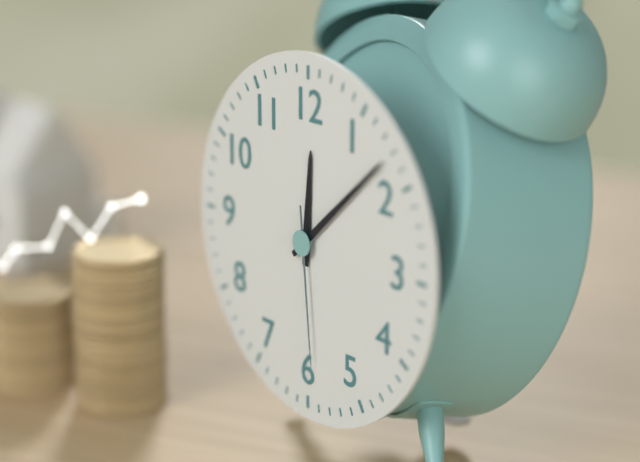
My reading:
12 h 08 min 29 s
